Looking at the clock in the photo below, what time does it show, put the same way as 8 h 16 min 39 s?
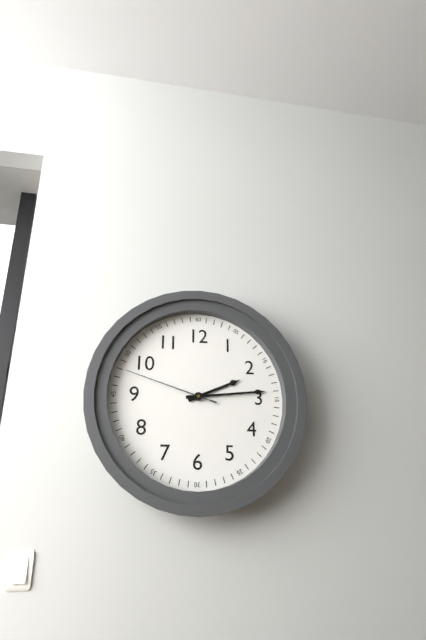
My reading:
2 h 14 min 48 s
